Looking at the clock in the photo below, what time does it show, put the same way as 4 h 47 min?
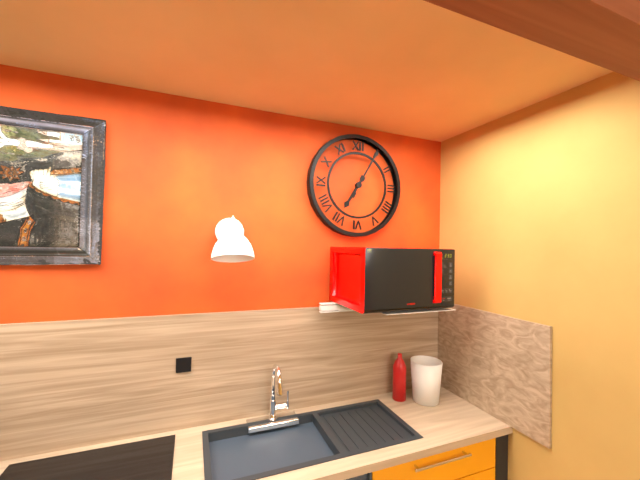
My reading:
7 h 05 min
